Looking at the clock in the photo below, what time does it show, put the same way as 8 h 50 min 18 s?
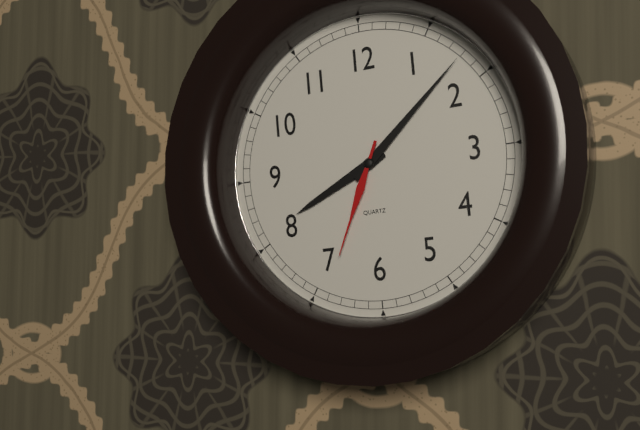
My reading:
8 h 08 min 34 s
